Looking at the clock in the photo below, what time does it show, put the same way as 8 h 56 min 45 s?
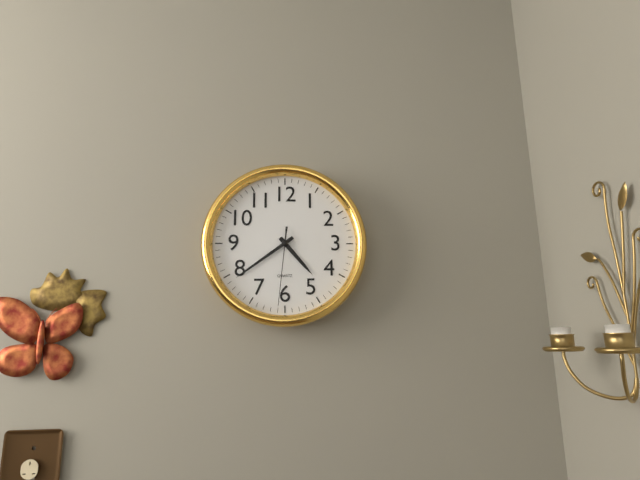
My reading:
4 h 39 min 31 s
